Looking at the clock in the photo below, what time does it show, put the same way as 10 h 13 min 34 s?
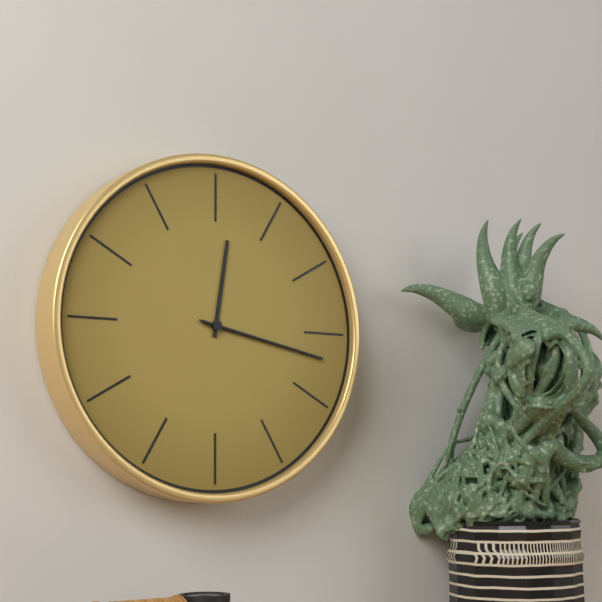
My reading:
12 h 17 min 17 s
